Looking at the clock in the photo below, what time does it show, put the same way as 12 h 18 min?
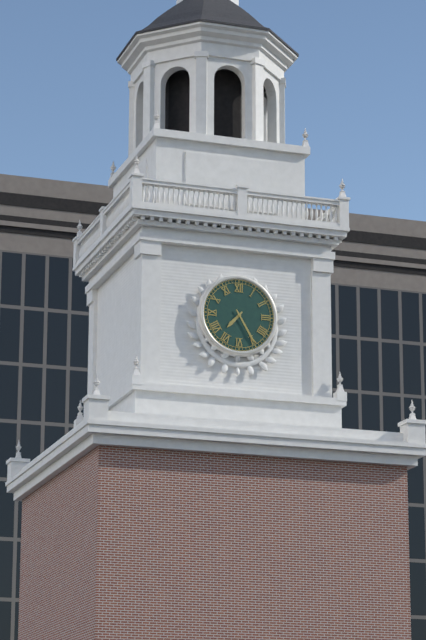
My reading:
7 h 25 min
